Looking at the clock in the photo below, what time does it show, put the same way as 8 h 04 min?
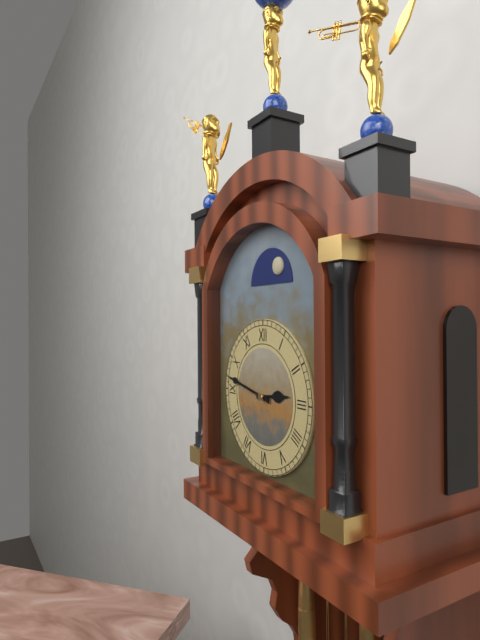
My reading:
2 h 47 min
